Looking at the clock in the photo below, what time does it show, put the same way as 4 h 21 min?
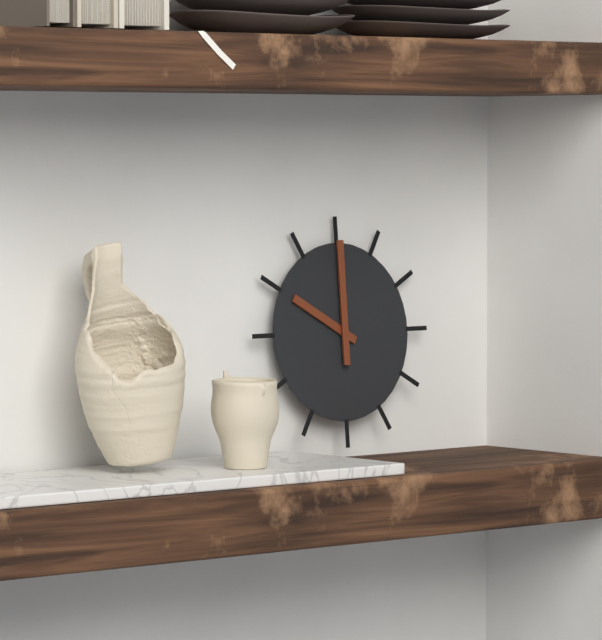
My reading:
10 h 00 min
